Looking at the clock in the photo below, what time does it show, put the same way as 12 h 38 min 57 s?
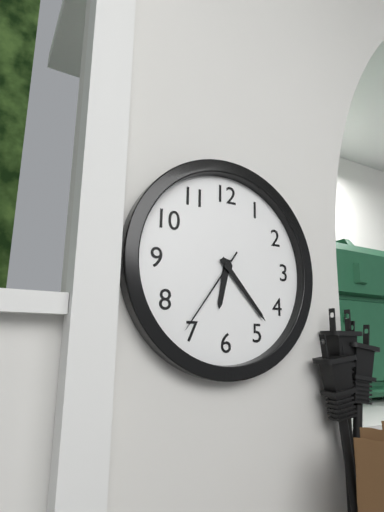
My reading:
6 h 23 min 36 s
